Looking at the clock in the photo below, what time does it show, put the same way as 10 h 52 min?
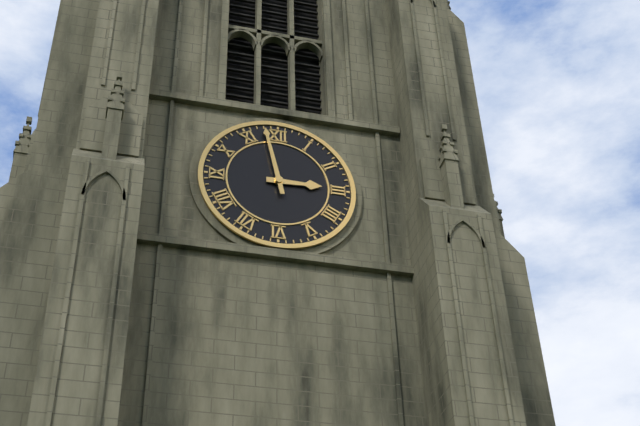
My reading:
2 h 58 min
